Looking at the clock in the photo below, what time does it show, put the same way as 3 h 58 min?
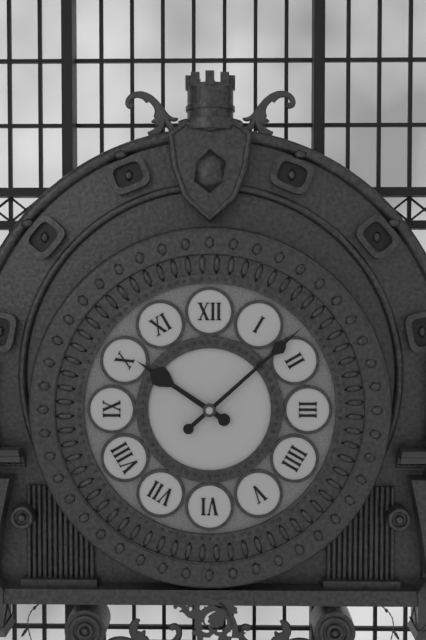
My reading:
10 h 08 min
